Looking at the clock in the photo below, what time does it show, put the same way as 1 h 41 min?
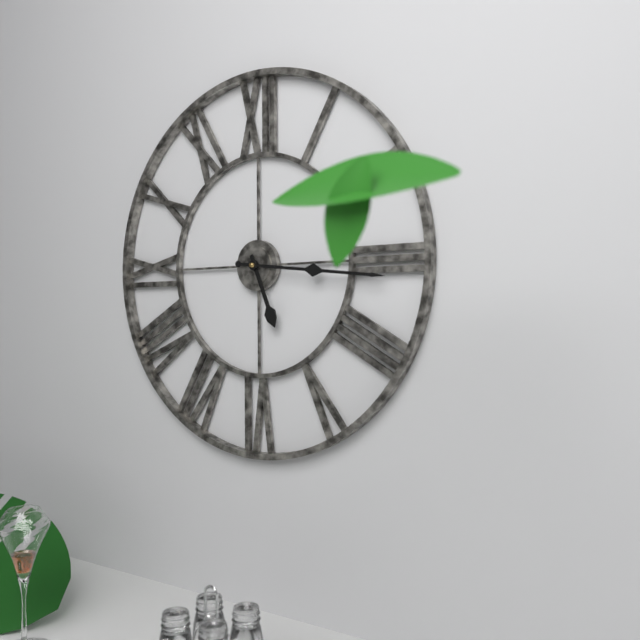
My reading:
5 h 16 min
